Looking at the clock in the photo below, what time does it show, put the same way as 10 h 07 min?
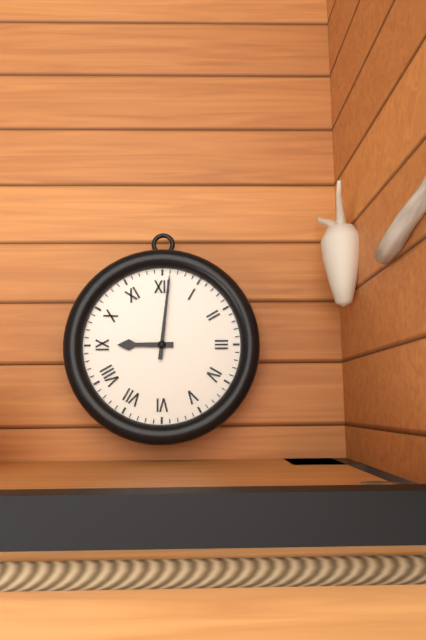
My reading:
9 h 01 min
